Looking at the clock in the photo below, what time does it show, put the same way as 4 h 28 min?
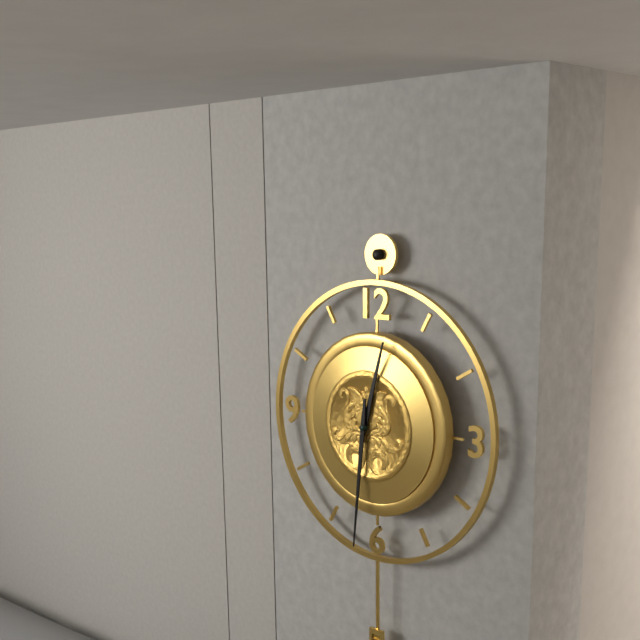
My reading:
12 h 31 min
